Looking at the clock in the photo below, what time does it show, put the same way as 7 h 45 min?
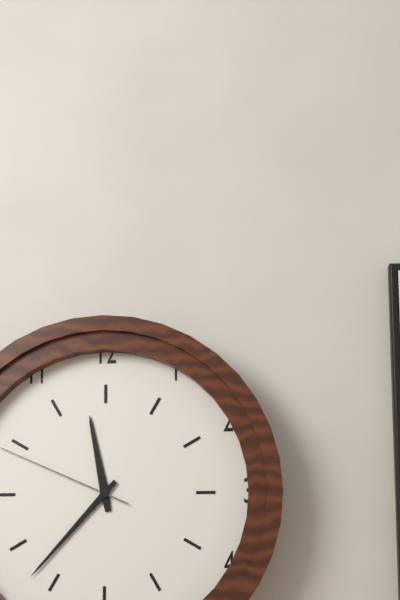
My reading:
11 h 37 min
